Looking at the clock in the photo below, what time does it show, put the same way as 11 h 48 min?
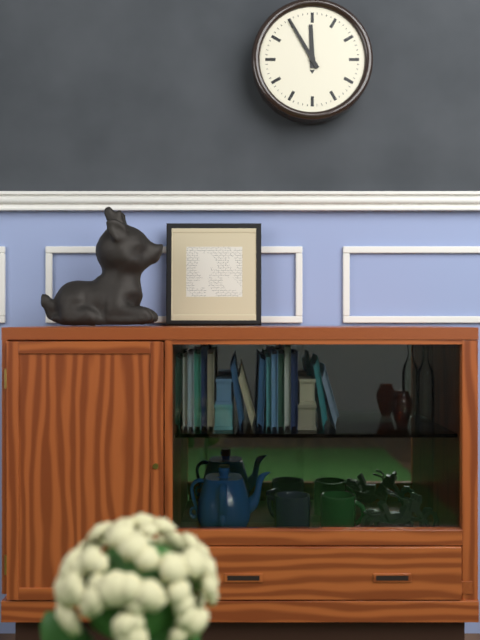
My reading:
11 h 55 min
